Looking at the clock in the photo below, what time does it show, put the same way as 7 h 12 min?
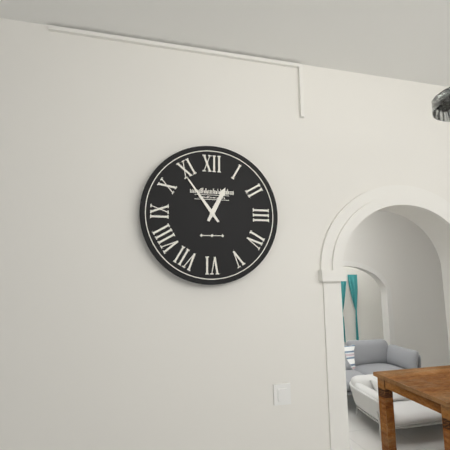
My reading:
12 h 54 min
